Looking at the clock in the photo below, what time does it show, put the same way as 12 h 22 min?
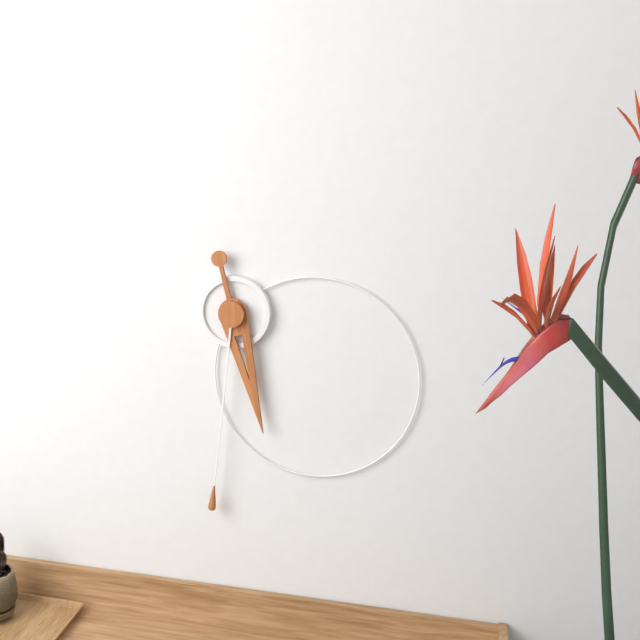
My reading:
5 h 31 min
